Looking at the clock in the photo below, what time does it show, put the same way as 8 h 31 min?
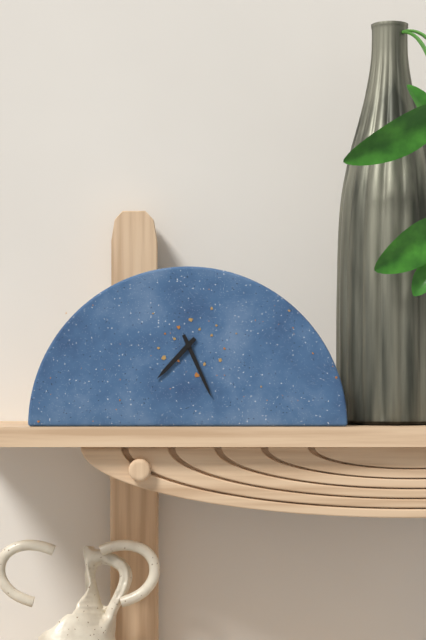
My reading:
7 h 26 min
